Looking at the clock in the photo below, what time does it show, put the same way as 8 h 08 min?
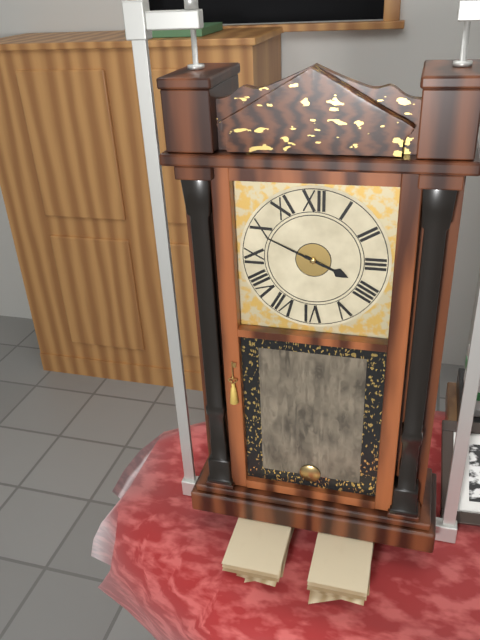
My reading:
3 h 49 min
